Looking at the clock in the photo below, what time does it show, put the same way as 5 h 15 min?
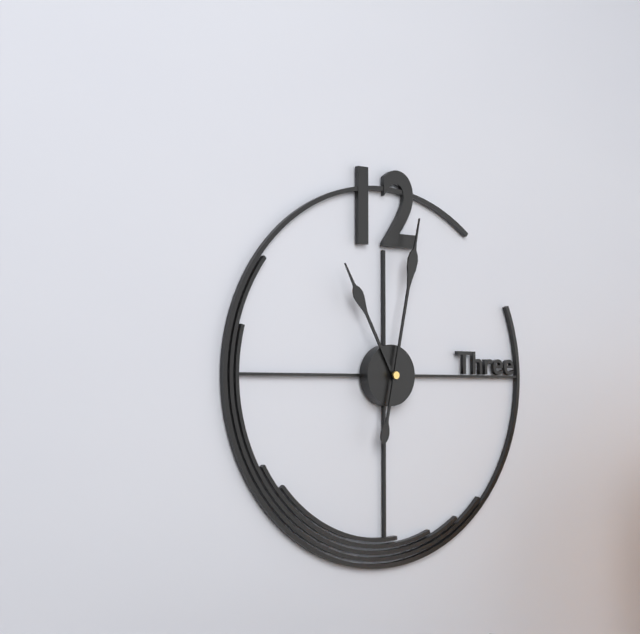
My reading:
11 h 02 min
